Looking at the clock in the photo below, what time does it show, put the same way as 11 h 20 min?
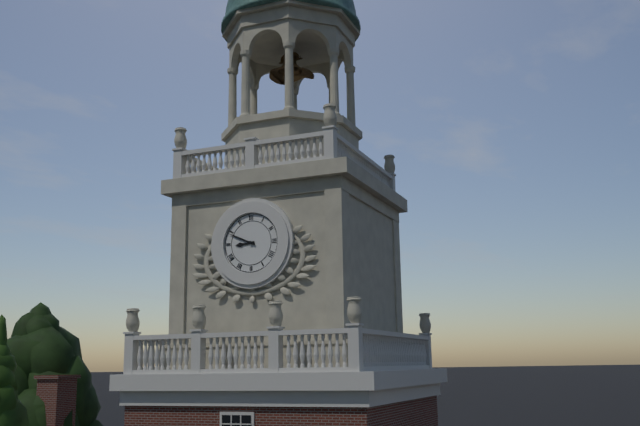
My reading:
8 h 49 min
